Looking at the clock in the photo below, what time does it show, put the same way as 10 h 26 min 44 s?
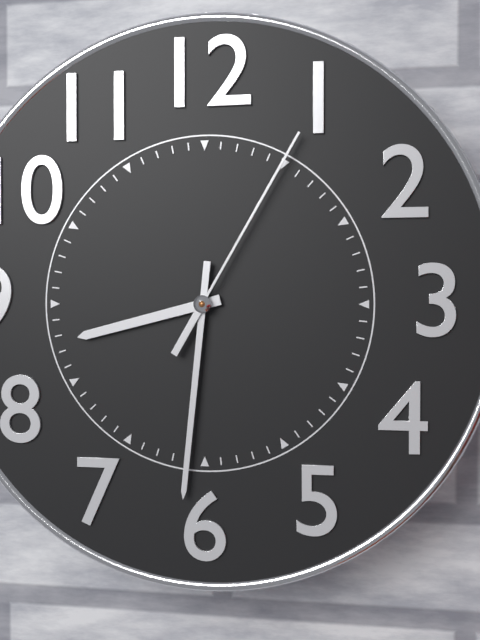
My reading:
8 h 31 min 05 s
